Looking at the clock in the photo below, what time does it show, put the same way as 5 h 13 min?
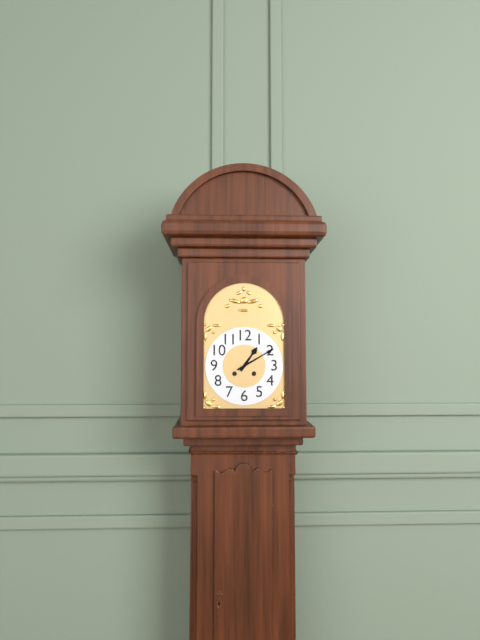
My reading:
1 h 10 min
